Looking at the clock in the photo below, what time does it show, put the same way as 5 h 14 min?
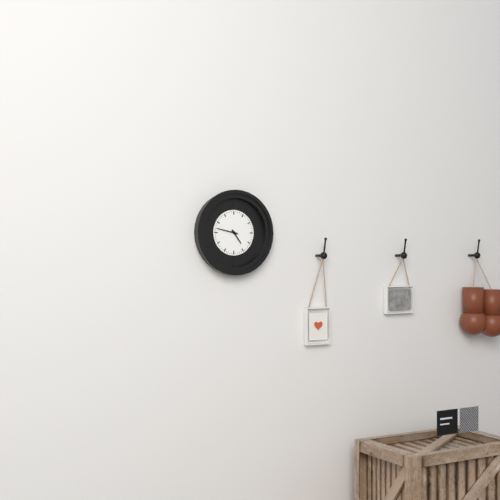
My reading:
4 h 47 min
